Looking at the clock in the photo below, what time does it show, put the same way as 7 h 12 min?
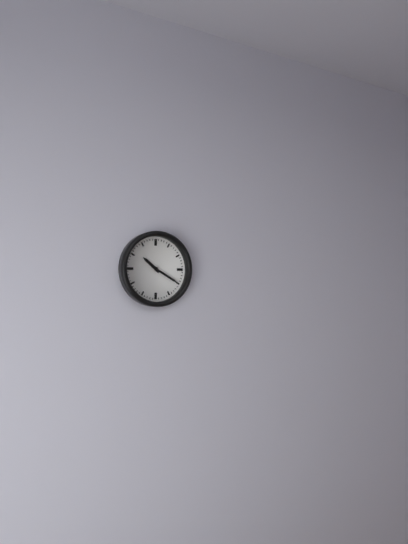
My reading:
10 h 20 min
